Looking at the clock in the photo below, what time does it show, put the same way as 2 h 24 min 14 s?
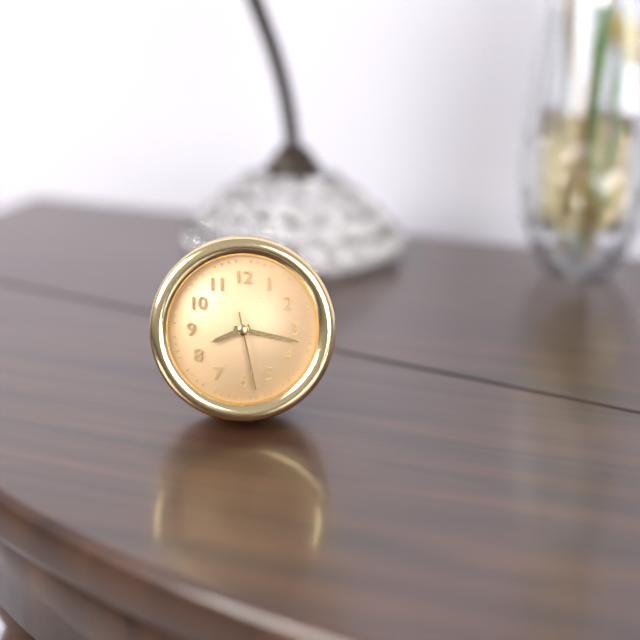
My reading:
8 h 17 min 28 s
